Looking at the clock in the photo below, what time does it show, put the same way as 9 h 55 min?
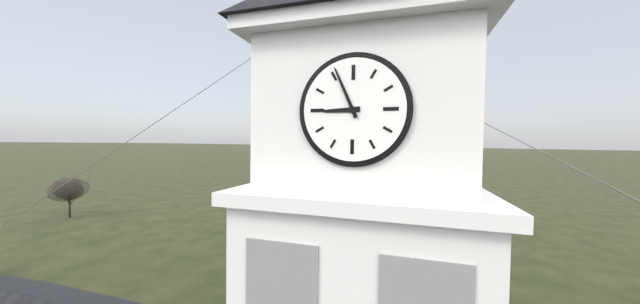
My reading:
8 h 56 min
